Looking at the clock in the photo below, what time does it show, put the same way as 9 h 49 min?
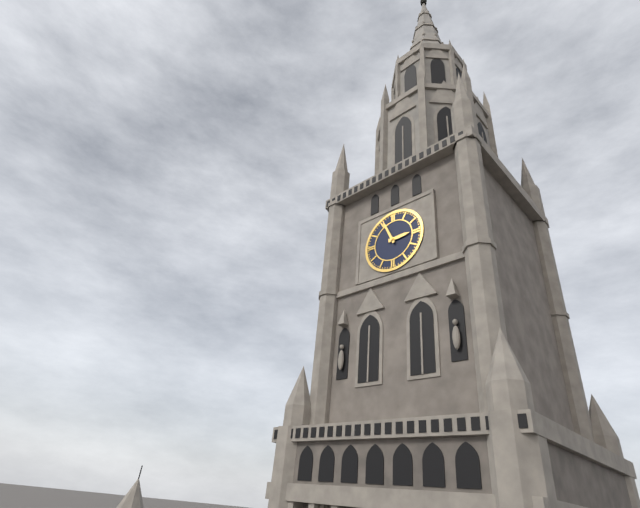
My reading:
2 h 56 min
